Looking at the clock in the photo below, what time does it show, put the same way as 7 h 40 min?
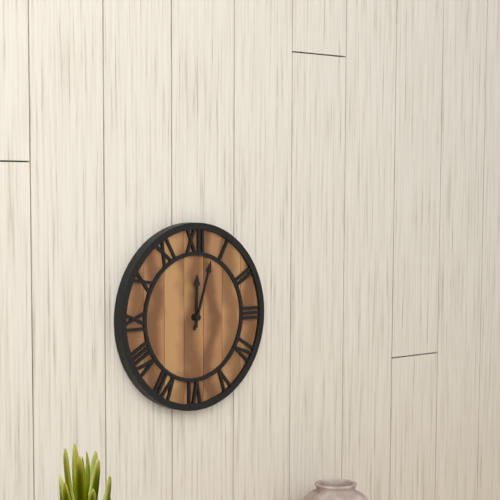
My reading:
12 h 03 min
